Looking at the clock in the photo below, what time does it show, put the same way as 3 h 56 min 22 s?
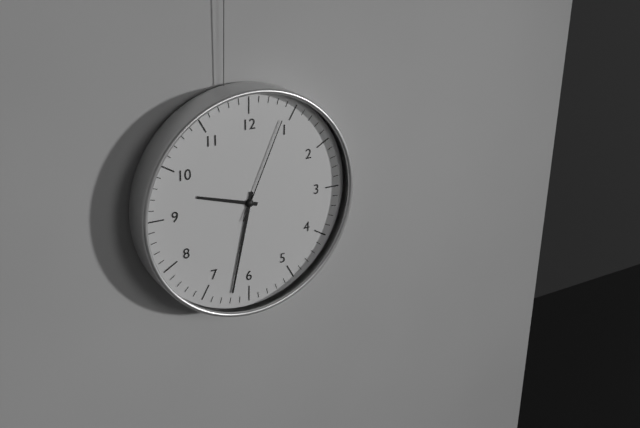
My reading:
9 h 32 min 04 s
